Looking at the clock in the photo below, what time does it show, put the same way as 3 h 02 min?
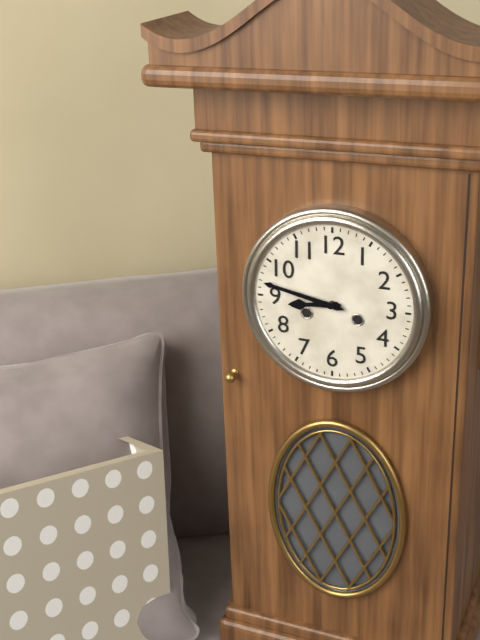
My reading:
8 h 47 min
